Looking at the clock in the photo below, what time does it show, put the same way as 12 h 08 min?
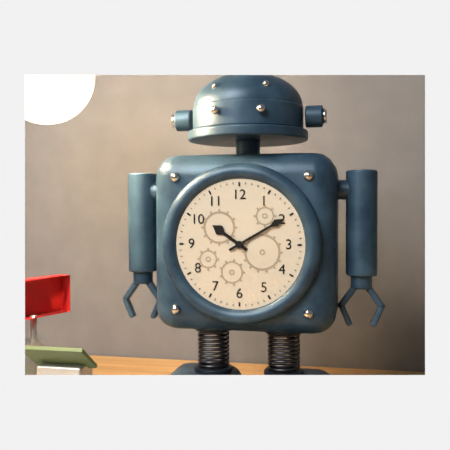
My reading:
10 h 10 min
